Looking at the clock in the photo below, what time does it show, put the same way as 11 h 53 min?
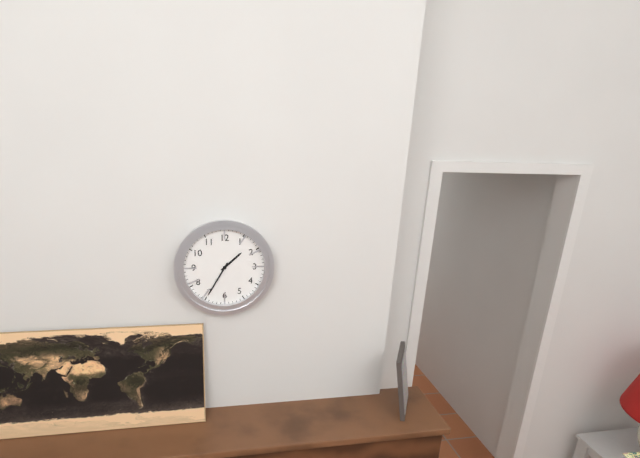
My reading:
1 h 35 min
